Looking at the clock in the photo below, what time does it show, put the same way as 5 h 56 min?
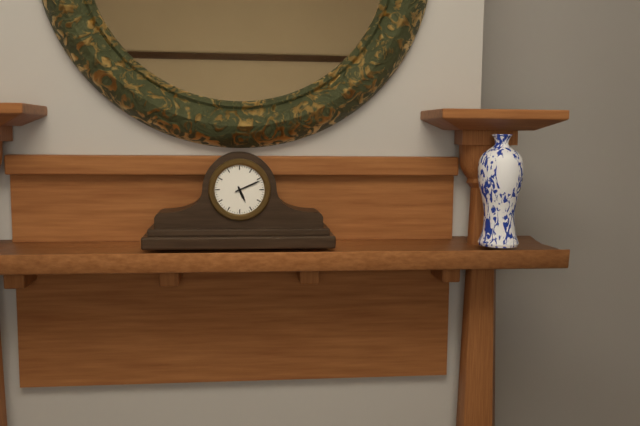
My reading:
5 h 11 min
